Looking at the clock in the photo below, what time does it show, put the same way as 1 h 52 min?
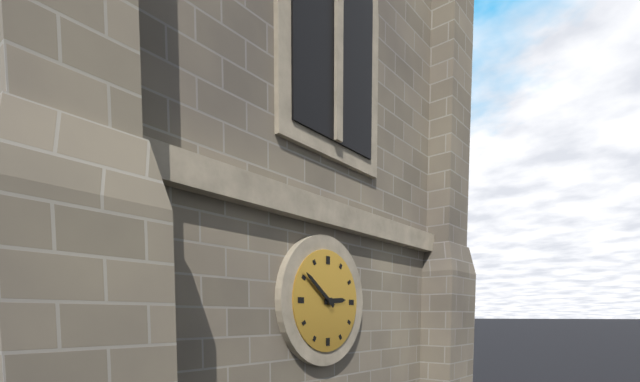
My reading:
2 h 51 min
